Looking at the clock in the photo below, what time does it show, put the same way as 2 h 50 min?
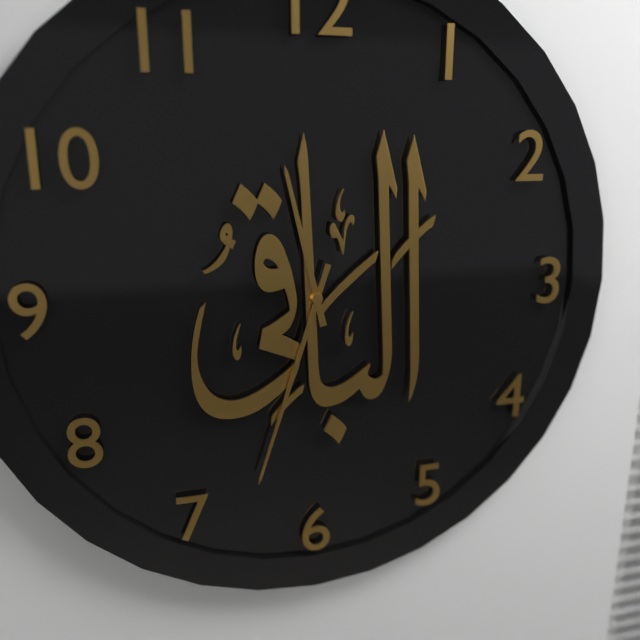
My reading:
11 h 33 min
